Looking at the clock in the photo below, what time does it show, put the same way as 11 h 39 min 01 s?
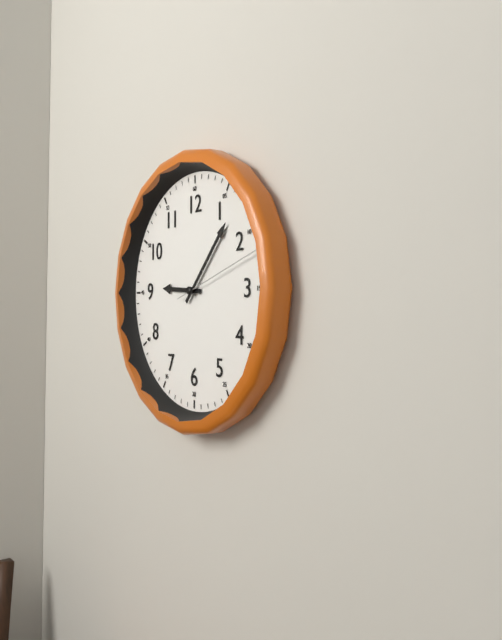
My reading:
9 h 07 min 12 s
